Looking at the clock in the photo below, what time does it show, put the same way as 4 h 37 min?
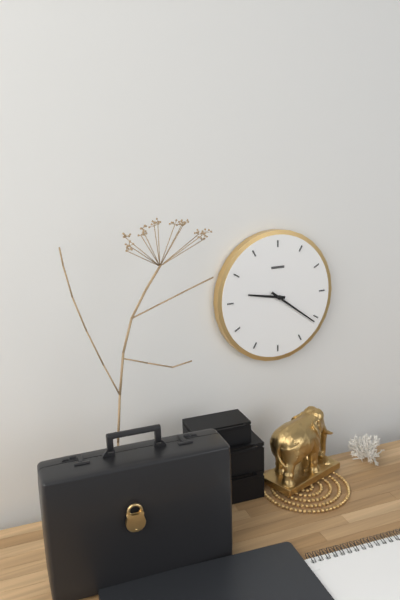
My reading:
9 h 21 min
